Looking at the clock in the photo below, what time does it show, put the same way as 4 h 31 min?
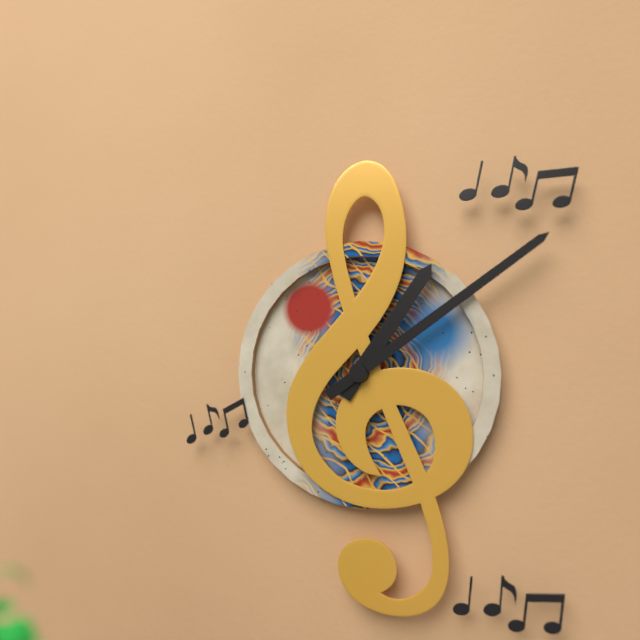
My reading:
1 h 09 min
